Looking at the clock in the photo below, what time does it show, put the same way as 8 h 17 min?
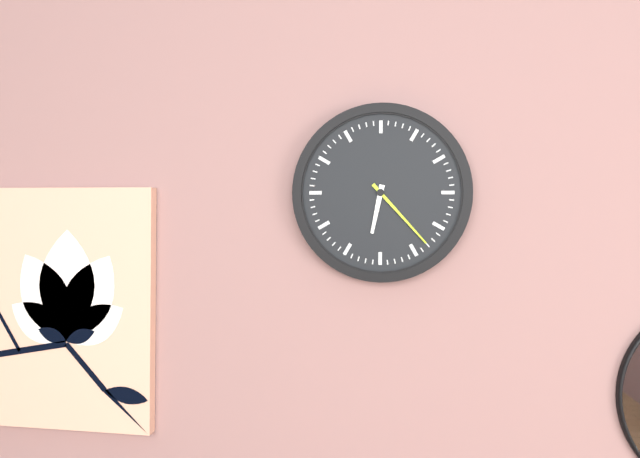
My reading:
6 h 23 min
